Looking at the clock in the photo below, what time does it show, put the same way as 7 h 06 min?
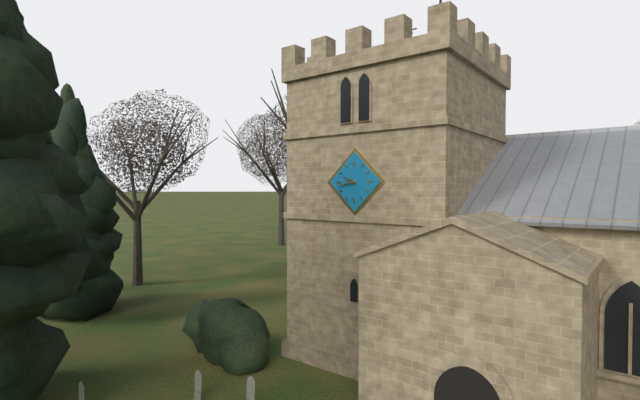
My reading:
9 h 43 min
